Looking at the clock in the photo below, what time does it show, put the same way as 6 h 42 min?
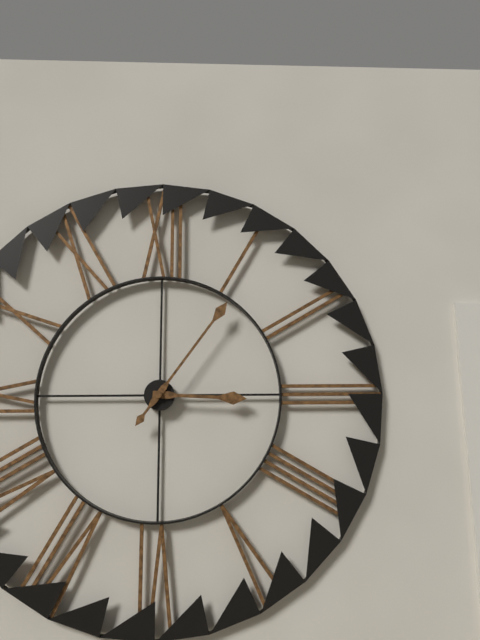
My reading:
3 h 06 min
